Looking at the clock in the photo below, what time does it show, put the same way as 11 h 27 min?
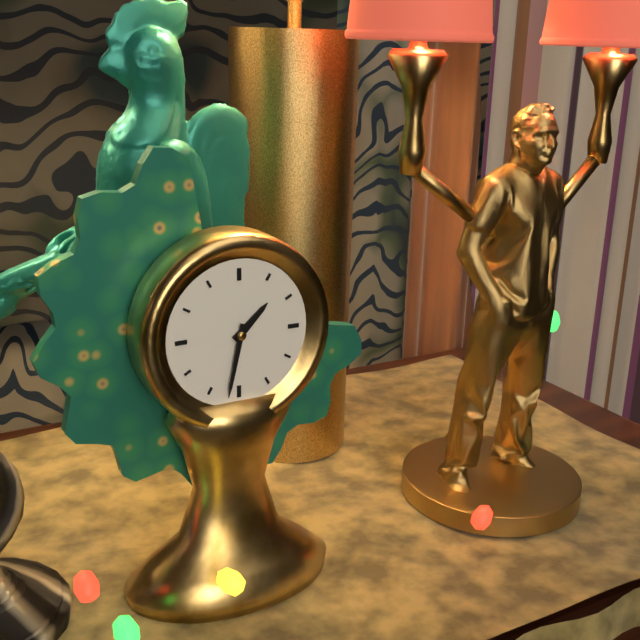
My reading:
1 h 32 min
